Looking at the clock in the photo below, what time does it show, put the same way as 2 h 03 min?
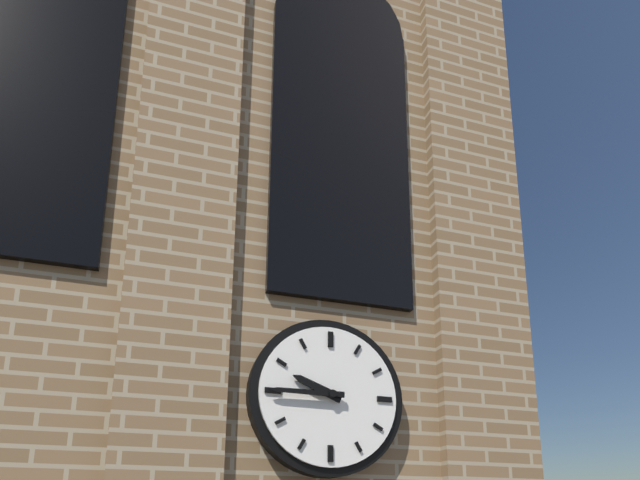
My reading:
9 h 45 min
